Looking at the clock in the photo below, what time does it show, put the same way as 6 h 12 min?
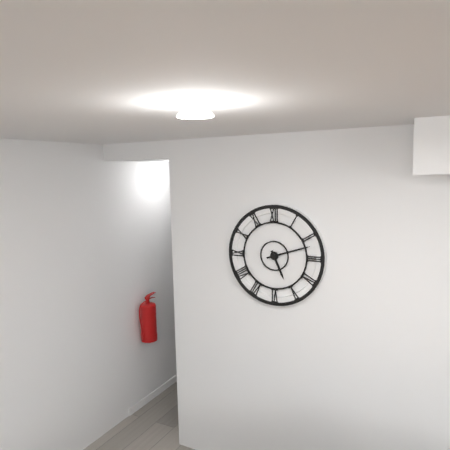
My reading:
5 h 12 min
